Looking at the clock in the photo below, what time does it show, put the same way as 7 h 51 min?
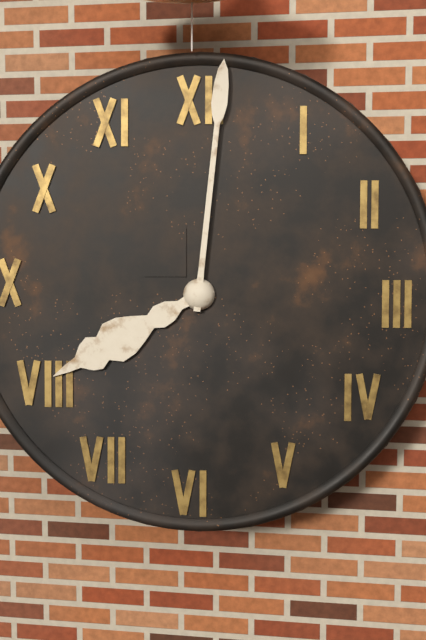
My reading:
8 h 01 min
